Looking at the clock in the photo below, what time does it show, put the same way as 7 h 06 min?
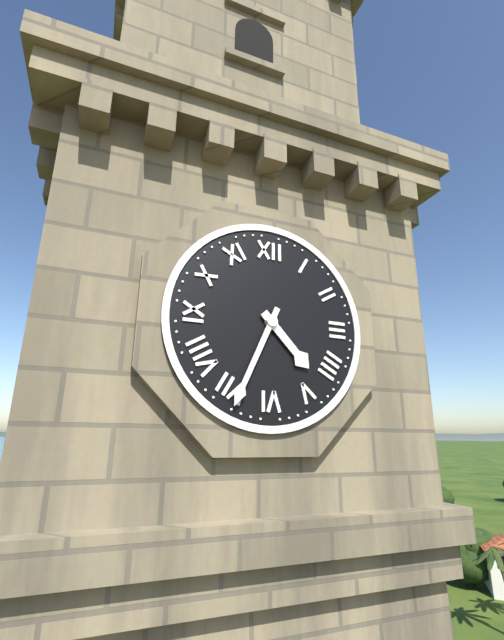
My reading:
4 h 34 min
